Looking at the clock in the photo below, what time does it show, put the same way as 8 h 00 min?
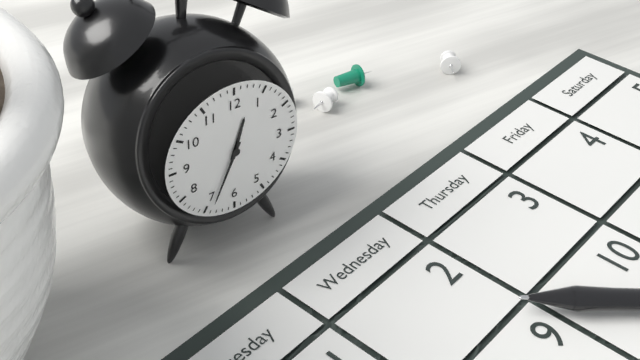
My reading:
12 h 34 min
